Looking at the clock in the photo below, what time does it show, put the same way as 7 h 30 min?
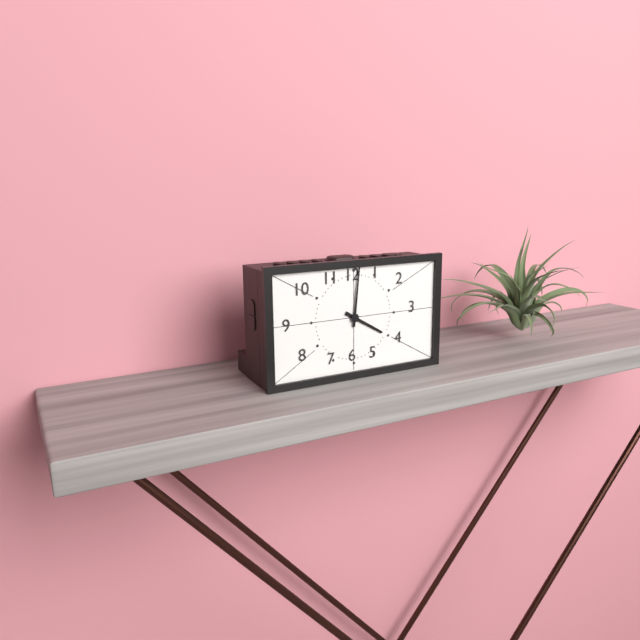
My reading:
4 h 01 min
